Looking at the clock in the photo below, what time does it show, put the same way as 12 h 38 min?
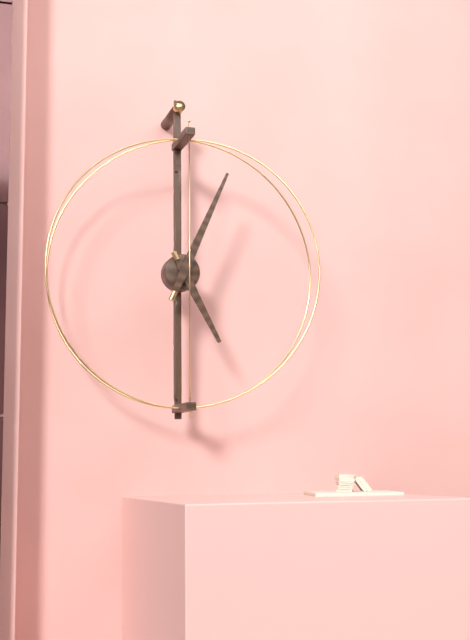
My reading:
5 h 04 min
